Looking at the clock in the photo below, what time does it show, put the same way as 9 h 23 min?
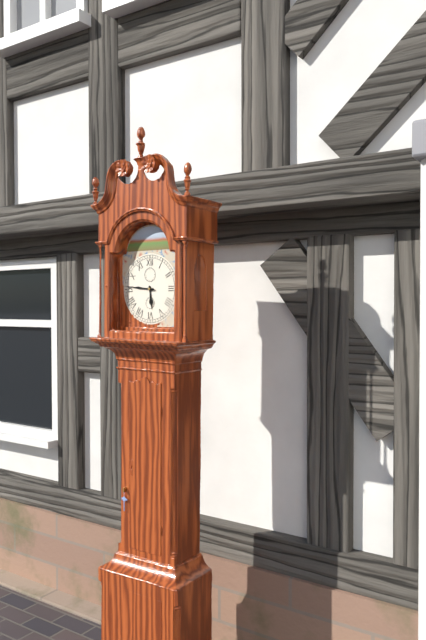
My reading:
5 h 46 min
